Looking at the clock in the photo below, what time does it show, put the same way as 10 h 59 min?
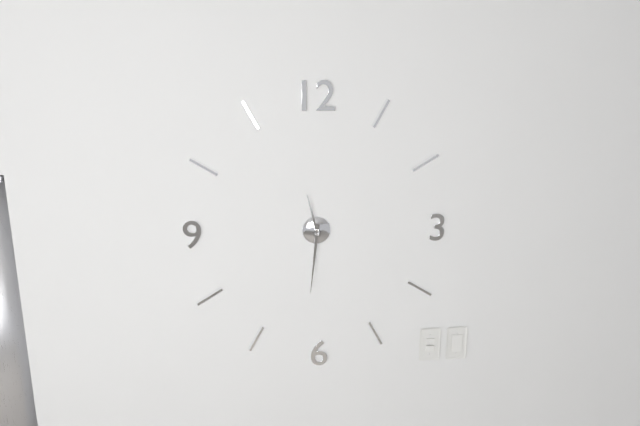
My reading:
11 h 31 min
